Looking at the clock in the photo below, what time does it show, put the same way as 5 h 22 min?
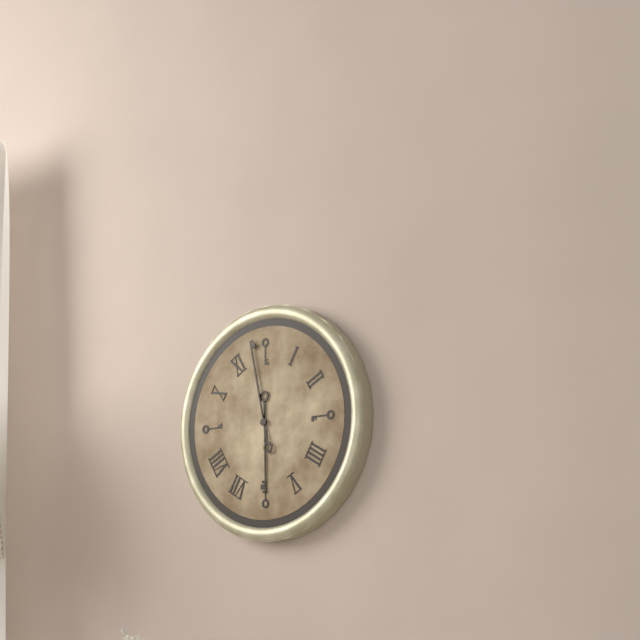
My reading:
5 h 58 min
